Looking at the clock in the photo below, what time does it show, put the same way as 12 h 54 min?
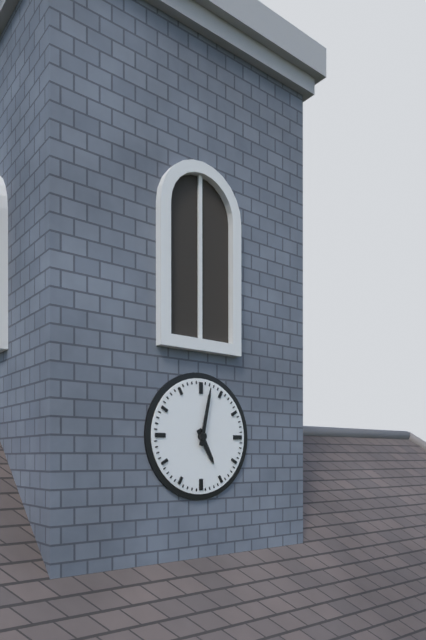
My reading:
5 h 02 min
